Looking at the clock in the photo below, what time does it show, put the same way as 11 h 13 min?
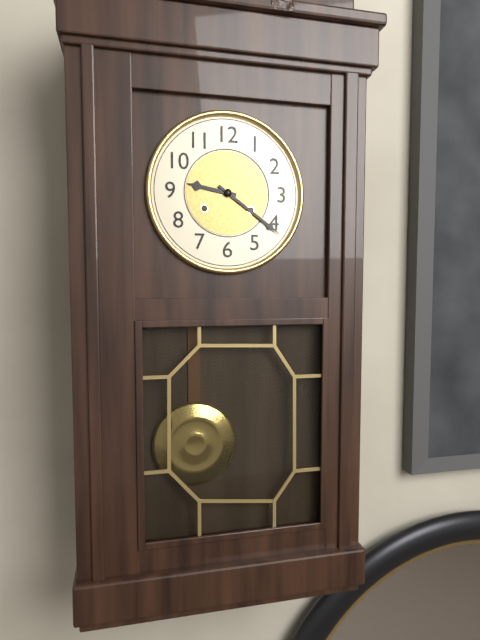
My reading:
9 h 21 min
